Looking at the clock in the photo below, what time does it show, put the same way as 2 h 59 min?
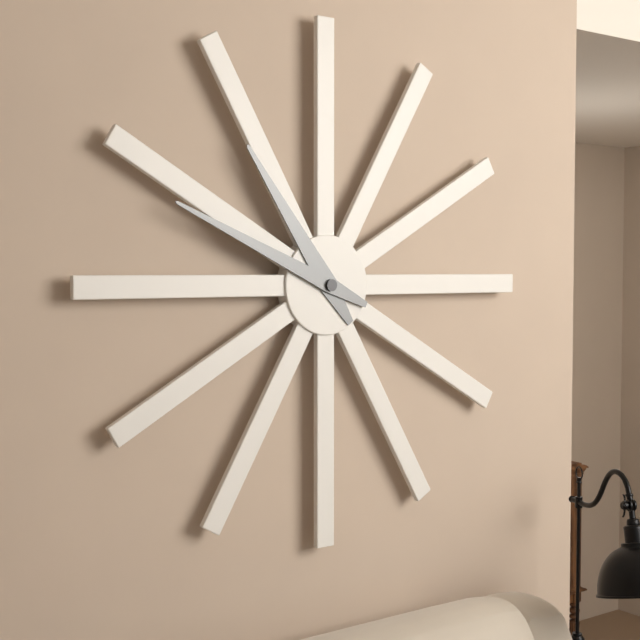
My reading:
10 h 49 min
